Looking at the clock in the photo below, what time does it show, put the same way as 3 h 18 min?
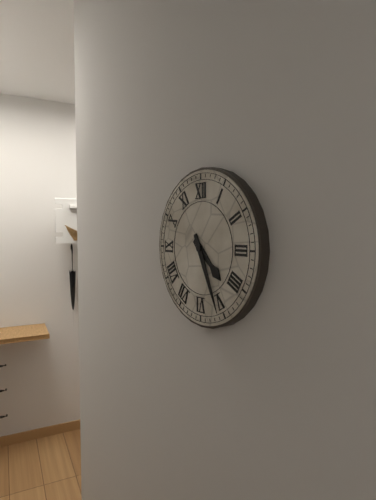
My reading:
4 h 26 min
